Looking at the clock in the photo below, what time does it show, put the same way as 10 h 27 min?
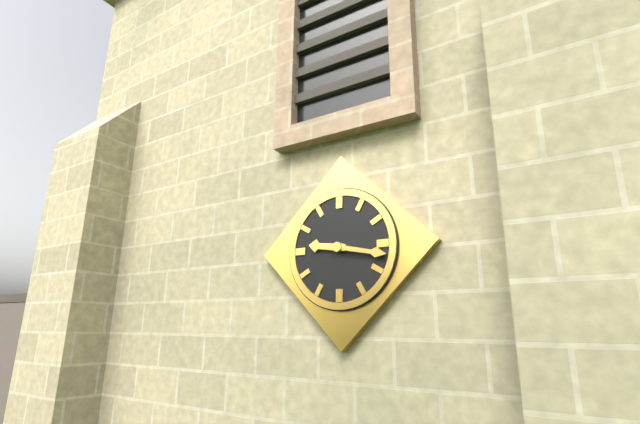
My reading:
9 h 17 min
